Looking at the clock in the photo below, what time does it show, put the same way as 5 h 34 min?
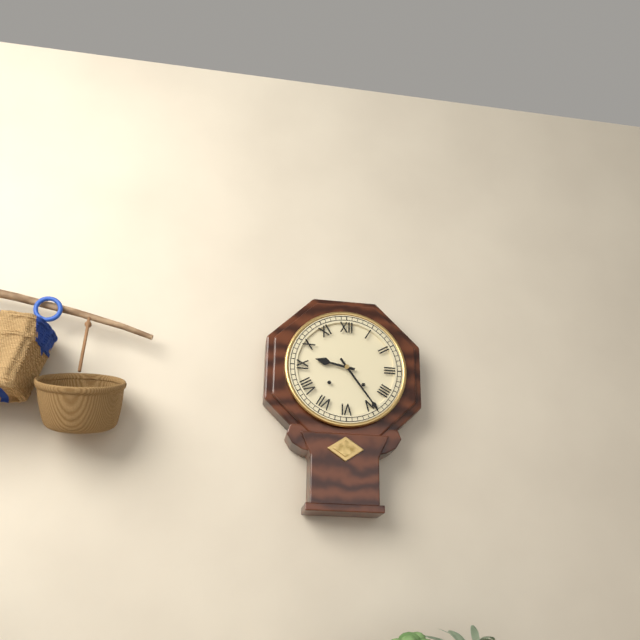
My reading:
9 h 24 min
